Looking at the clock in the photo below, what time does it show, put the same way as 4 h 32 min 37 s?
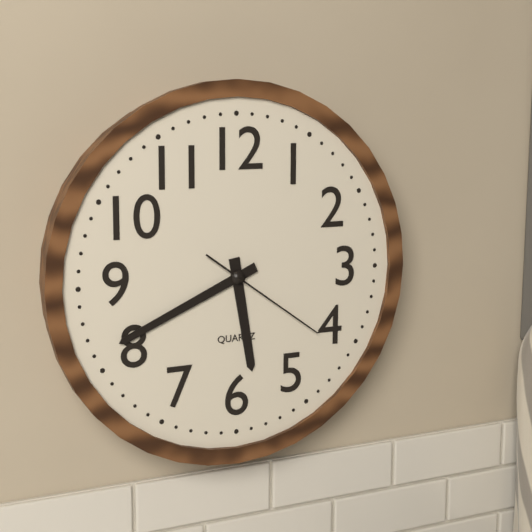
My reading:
5 h 41 min 21 s
